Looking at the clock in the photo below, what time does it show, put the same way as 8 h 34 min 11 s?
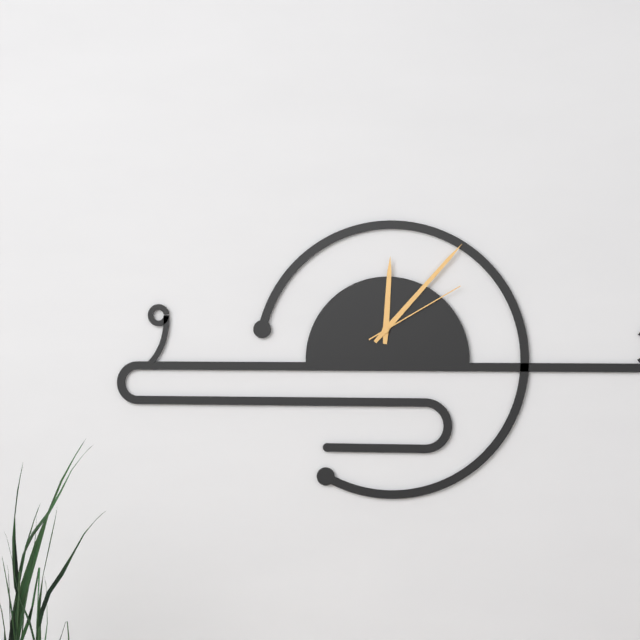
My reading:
12 h 07 min 10 s
